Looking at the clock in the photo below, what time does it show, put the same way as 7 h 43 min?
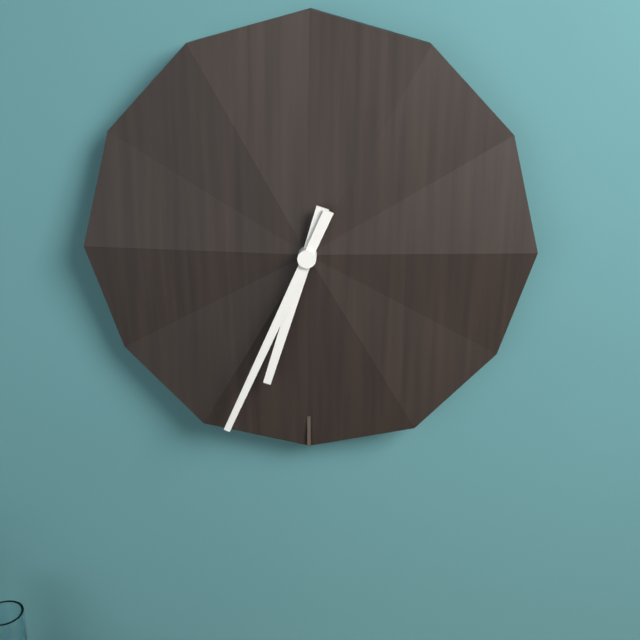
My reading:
6 h 34 min
